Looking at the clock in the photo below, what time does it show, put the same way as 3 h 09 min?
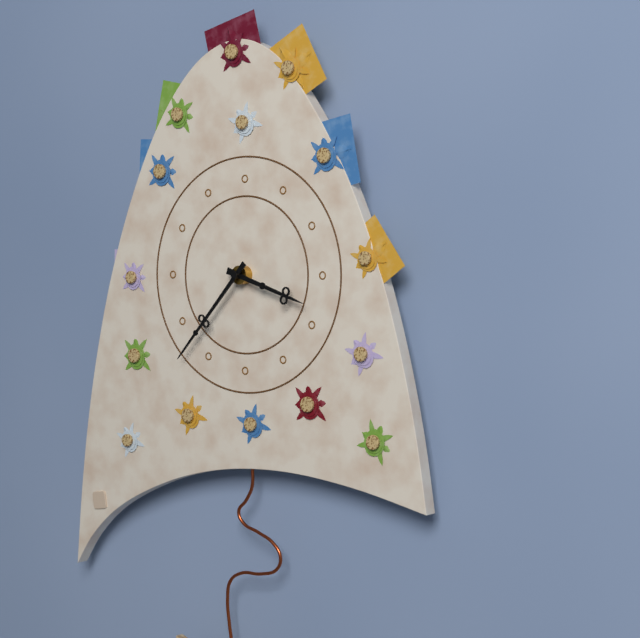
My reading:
3 h 37 min
